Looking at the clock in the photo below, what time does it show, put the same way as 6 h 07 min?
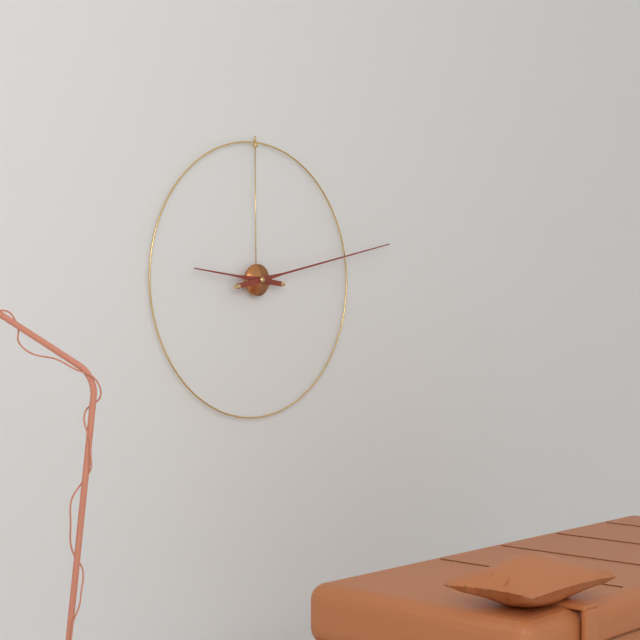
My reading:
9 h 13 min
